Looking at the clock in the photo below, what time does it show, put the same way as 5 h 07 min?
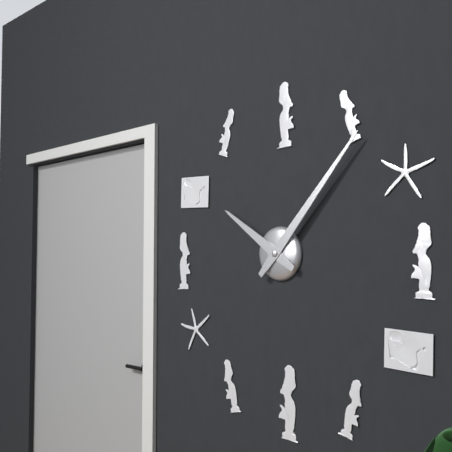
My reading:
10 h 07 min
